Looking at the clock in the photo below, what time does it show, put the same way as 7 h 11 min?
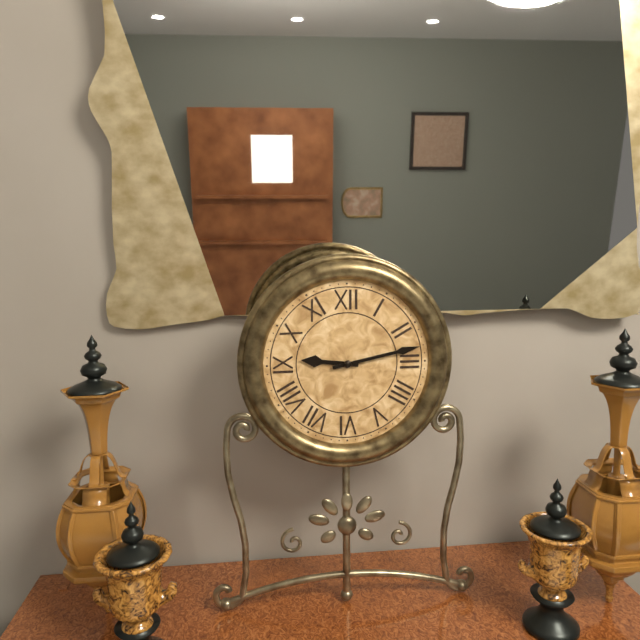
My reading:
9 h 13 min
